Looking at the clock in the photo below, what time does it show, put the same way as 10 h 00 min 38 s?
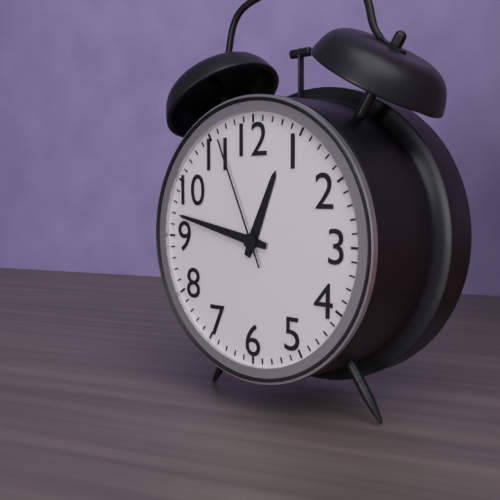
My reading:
12 h 47 min 56 s
